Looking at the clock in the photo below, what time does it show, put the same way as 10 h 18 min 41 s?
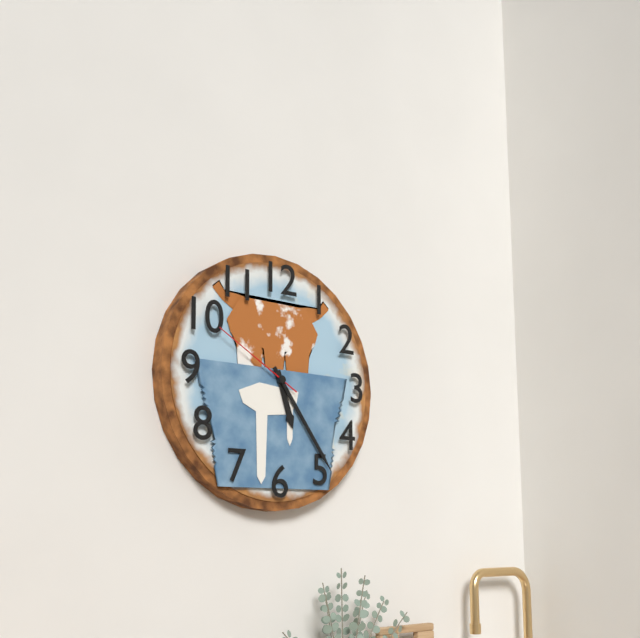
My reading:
5 h 24 min 50 s
